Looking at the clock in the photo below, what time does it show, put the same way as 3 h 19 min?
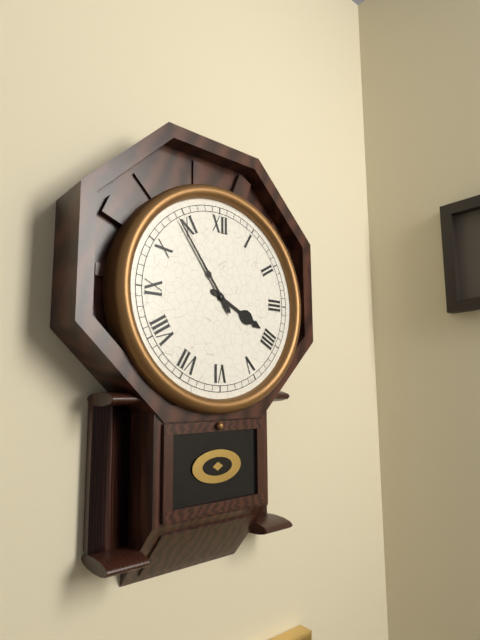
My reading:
3 h 54 min
